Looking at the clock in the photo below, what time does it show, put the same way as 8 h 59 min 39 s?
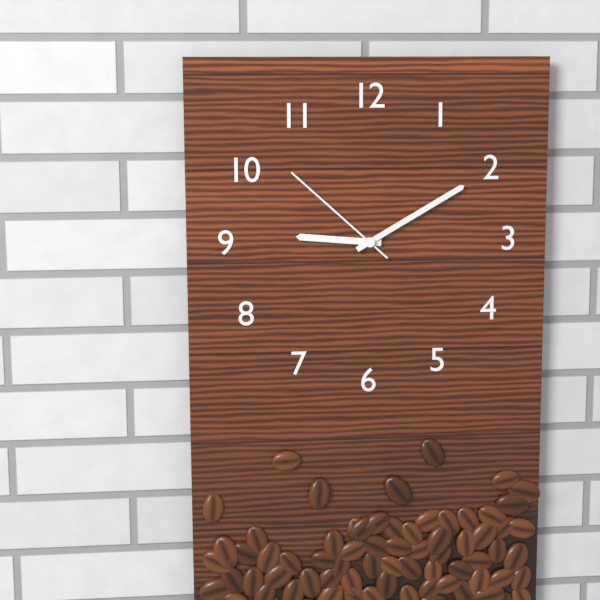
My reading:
9 h 10 min 52 s
